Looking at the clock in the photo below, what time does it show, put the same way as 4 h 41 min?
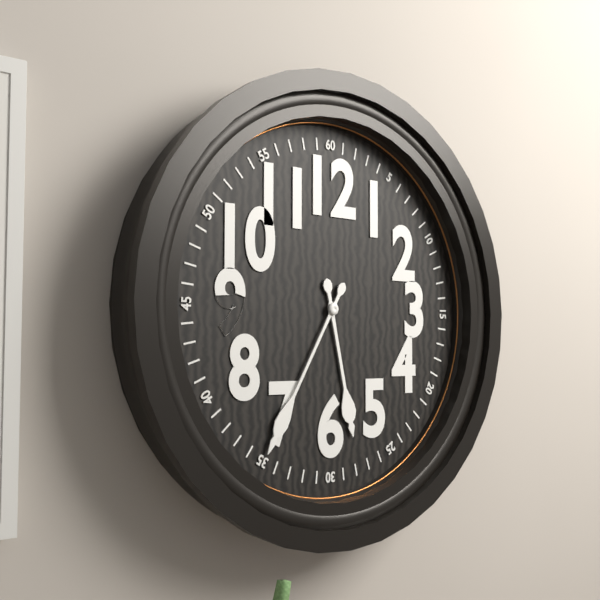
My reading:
5 h 35 min
